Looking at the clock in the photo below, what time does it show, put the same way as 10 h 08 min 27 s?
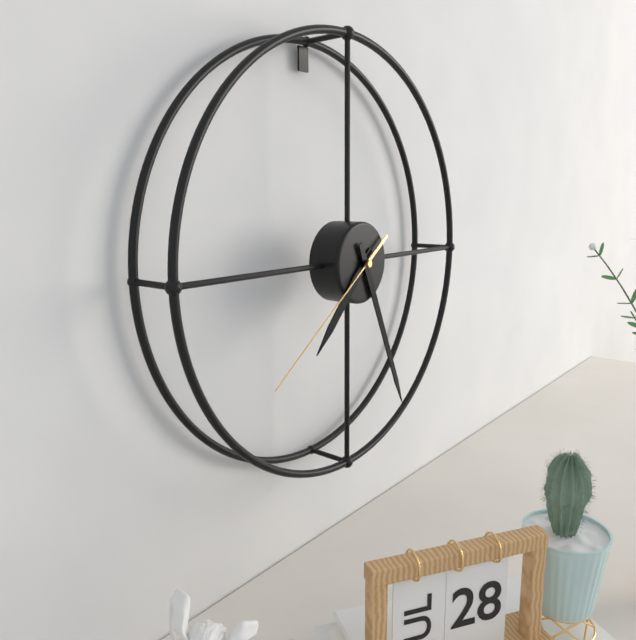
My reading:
7 h 26 min 39 s
